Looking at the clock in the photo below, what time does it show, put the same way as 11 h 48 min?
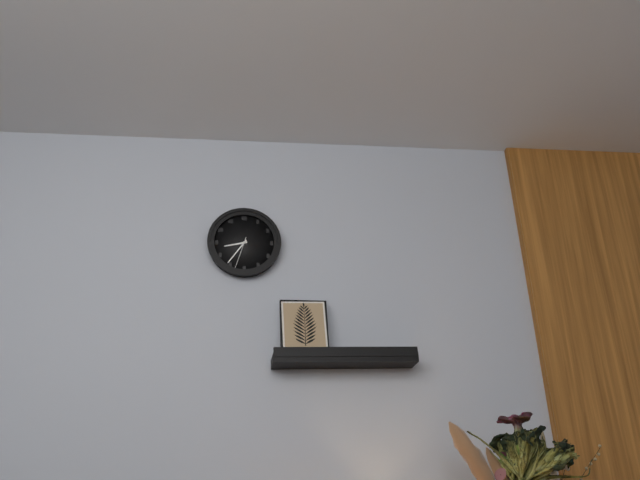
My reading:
8 h 36 min
